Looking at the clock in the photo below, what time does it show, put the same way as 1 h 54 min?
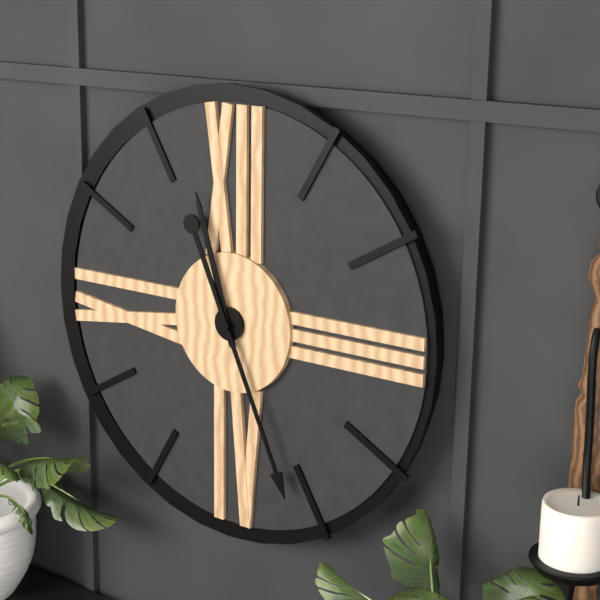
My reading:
11 h 26 min
